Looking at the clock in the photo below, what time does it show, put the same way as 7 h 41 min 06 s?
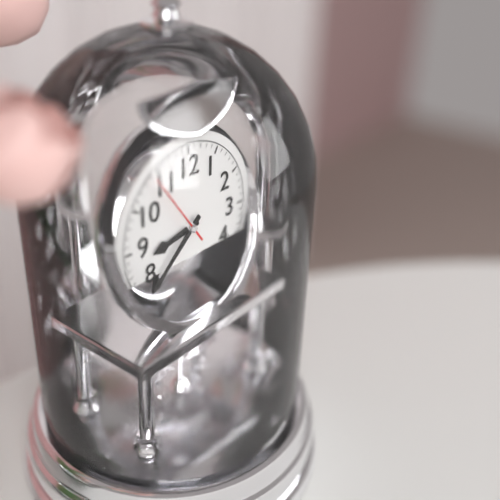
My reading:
8 h 38 min 54 s
